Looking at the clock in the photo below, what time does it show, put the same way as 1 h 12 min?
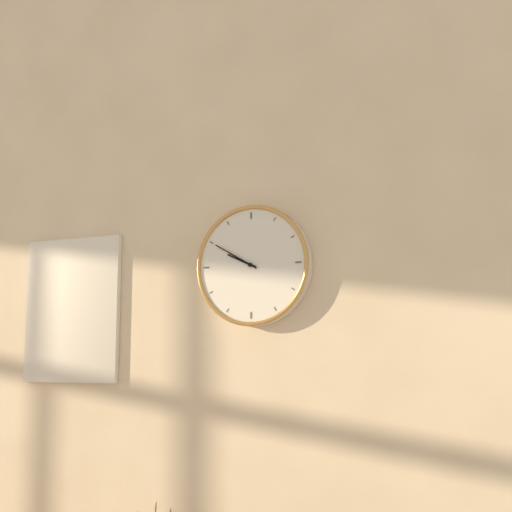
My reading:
9 h 50 min
